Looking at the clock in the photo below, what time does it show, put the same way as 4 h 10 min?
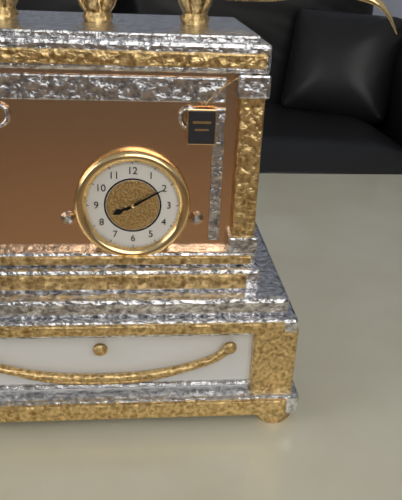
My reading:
8 h 10 min
